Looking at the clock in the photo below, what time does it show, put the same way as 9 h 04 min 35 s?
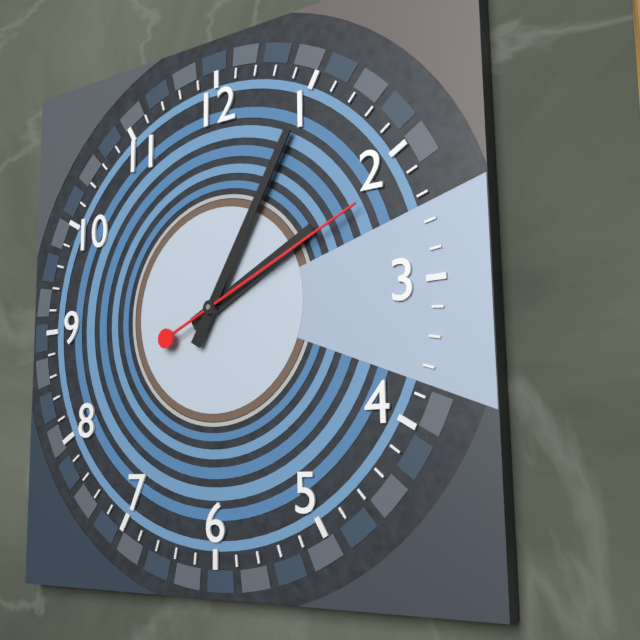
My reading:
2 h 05 min 11 s
